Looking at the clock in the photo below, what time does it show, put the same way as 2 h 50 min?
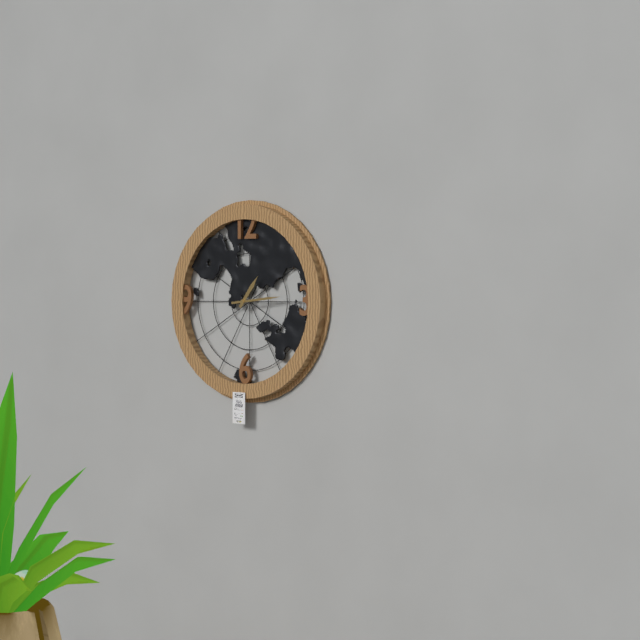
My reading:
1 h 14 min
